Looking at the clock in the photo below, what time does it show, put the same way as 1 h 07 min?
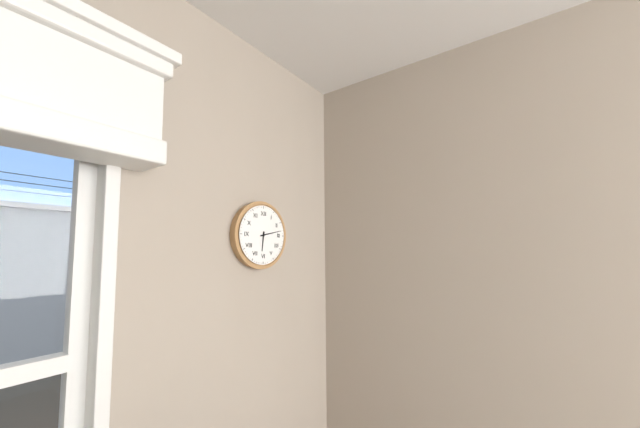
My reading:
6 h 13 min
